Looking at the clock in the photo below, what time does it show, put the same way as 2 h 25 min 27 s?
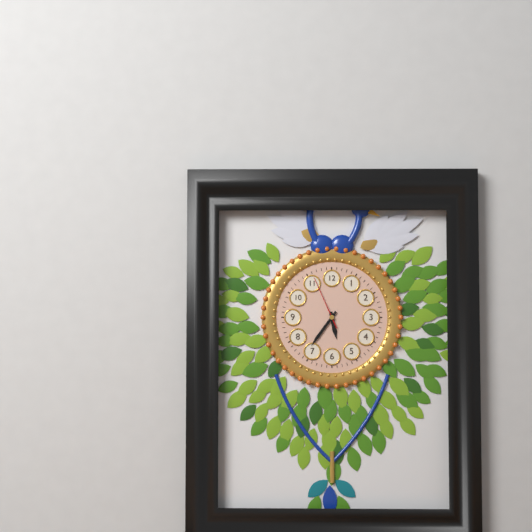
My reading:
5 h 36 min 56 s
